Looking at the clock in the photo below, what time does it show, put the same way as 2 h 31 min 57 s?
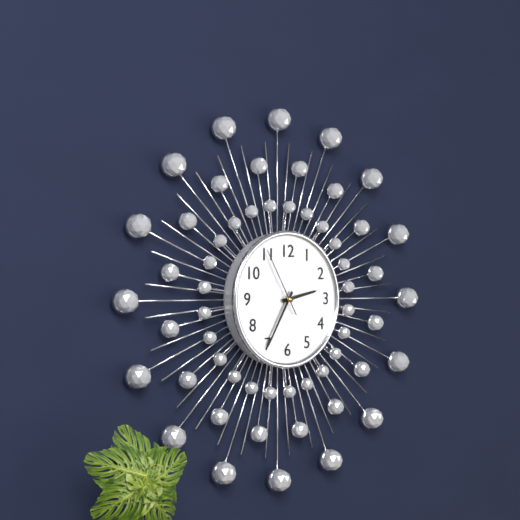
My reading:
2 h 35 min 55 s
